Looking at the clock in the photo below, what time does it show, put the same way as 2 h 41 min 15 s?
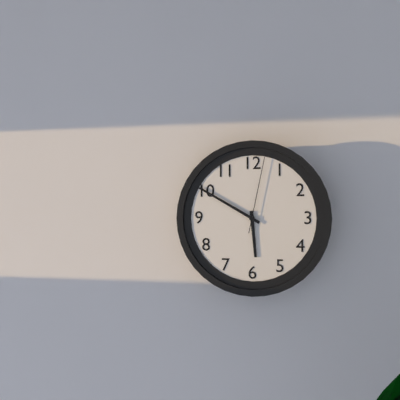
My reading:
5 h 50 min 02 s
